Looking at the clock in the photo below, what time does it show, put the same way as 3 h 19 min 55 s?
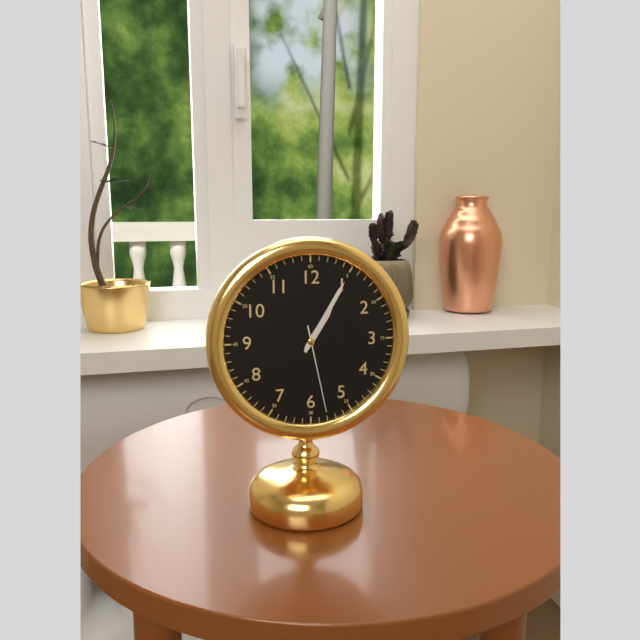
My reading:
1 h 05 min 28 s
